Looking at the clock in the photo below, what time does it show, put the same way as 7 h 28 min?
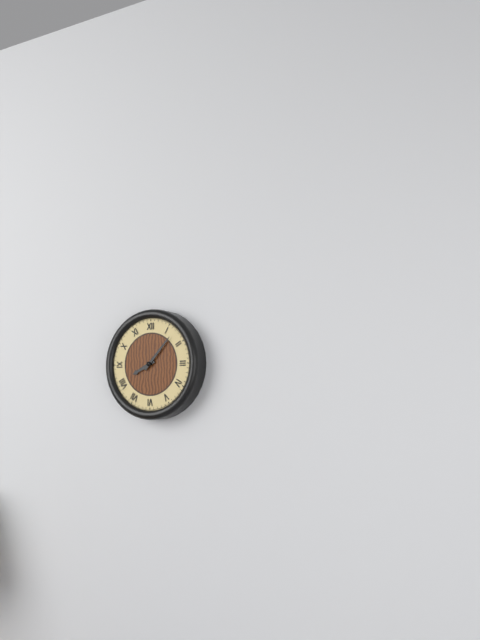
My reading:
8 h 07 min
